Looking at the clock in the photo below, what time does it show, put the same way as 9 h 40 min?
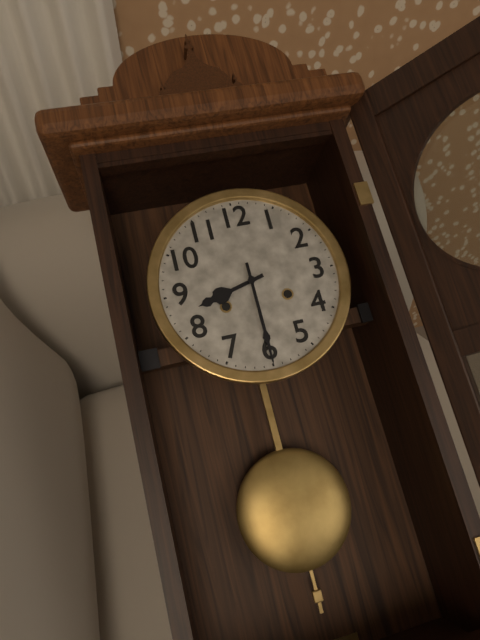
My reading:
8 h 30 min
